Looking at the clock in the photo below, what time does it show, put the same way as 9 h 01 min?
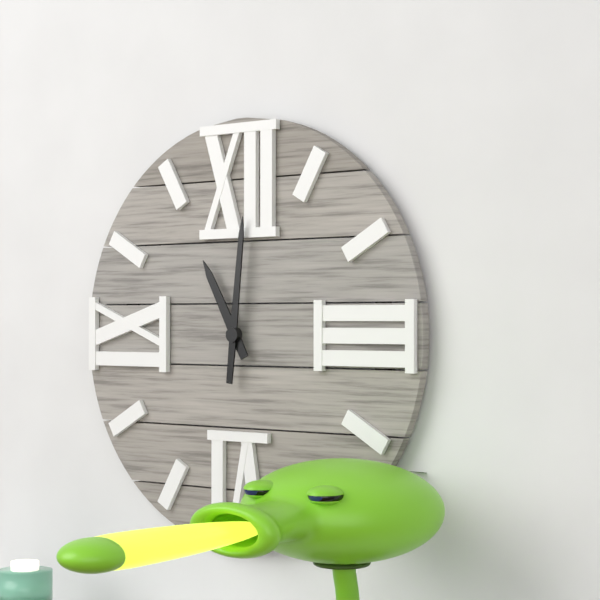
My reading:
11 h 01 min
